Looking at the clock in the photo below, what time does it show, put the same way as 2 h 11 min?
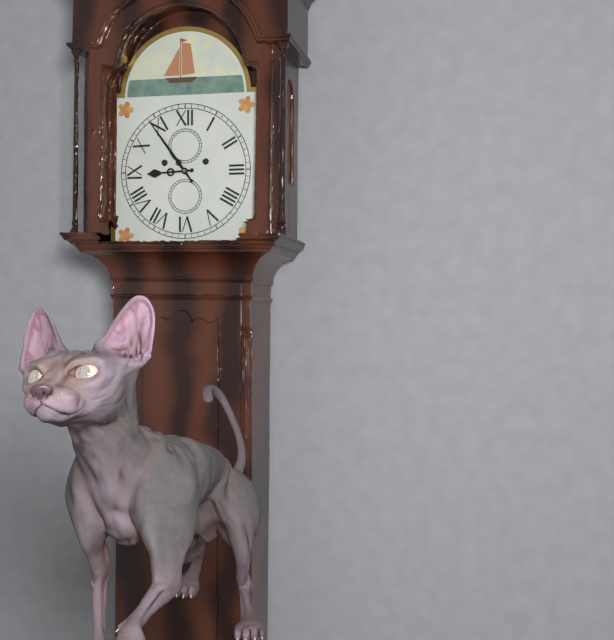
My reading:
8 h 54 min
